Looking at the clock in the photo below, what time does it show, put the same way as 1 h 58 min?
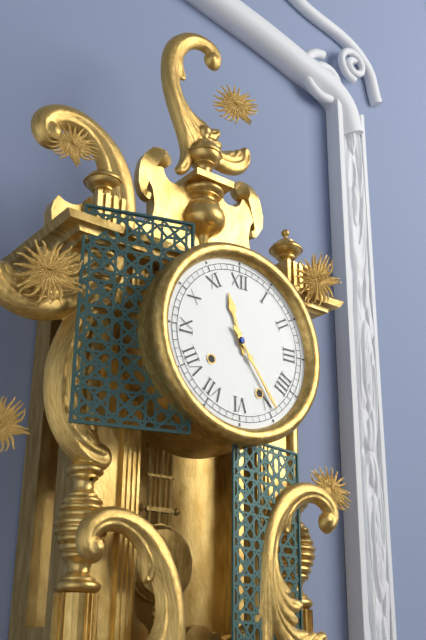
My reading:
11 h 24 min
